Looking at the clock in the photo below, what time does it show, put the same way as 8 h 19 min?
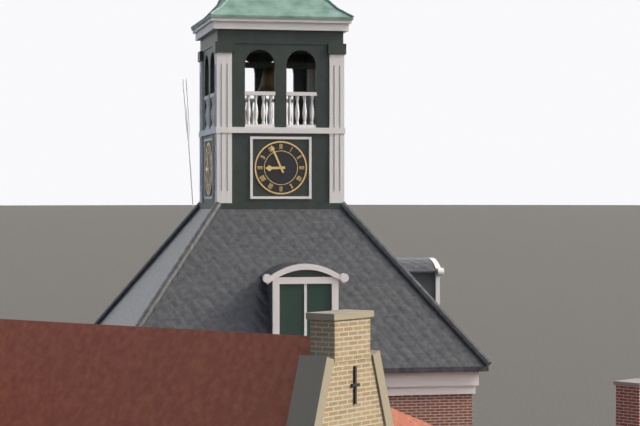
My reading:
8 h 56 min
